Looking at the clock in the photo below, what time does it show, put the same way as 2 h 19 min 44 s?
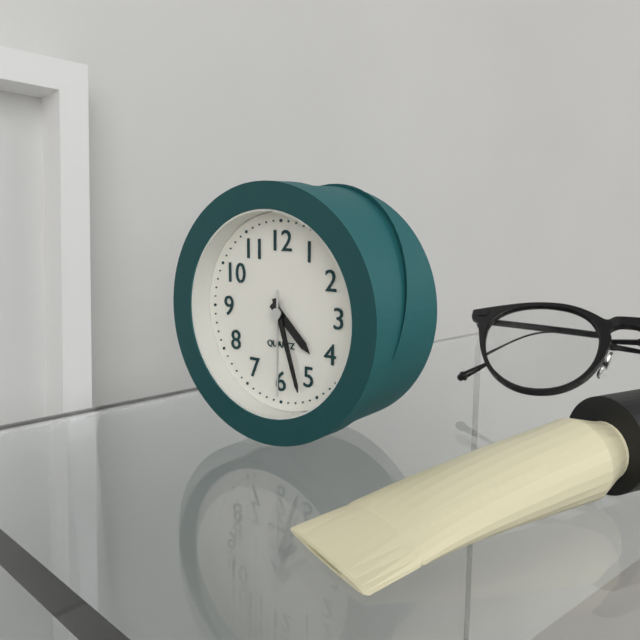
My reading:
4 h 27 min 30 s
